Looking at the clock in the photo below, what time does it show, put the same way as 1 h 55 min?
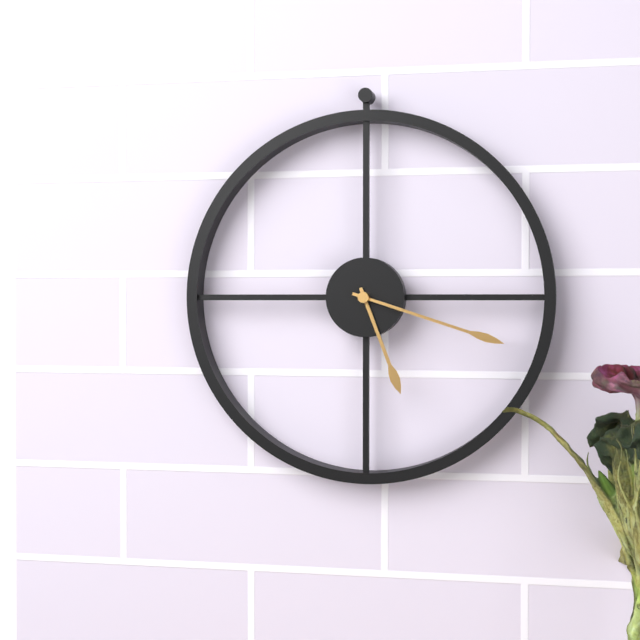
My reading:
5 h 18 min
